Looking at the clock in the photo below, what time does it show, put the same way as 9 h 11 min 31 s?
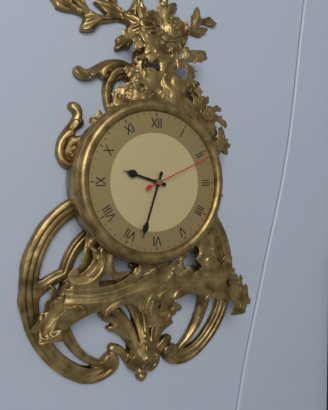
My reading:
9 h 33 min 11 s
